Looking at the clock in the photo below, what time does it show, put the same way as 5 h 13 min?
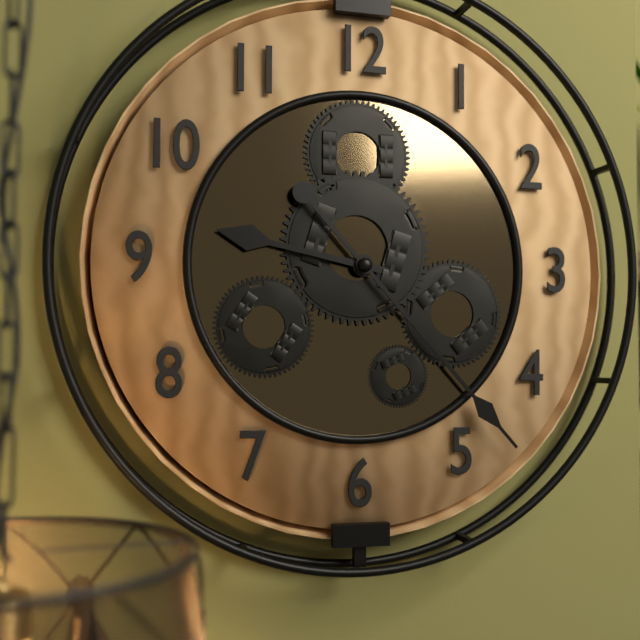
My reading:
9 h 23 min
